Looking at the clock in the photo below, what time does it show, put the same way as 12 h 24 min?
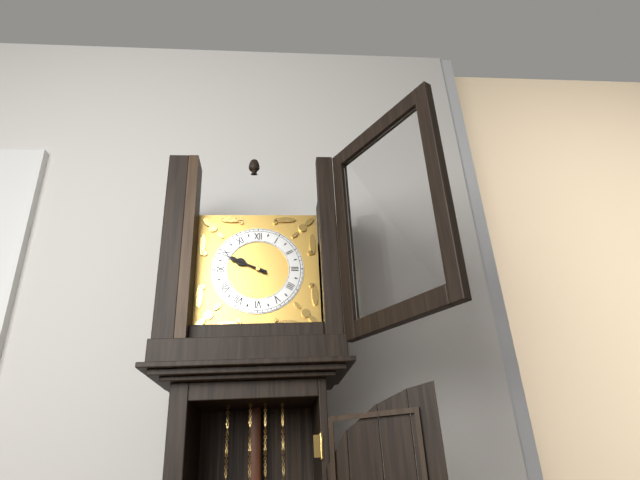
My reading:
9 h 49 min
